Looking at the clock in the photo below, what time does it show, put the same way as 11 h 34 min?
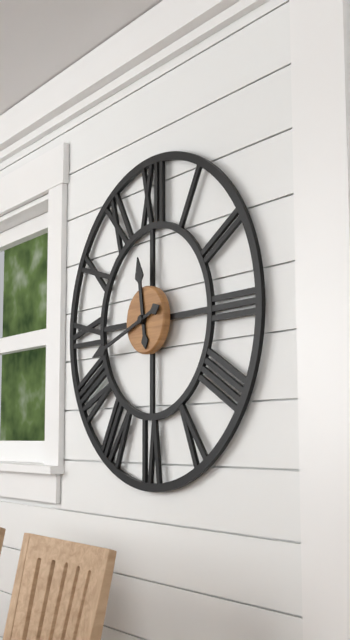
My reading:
11 h 42 min
